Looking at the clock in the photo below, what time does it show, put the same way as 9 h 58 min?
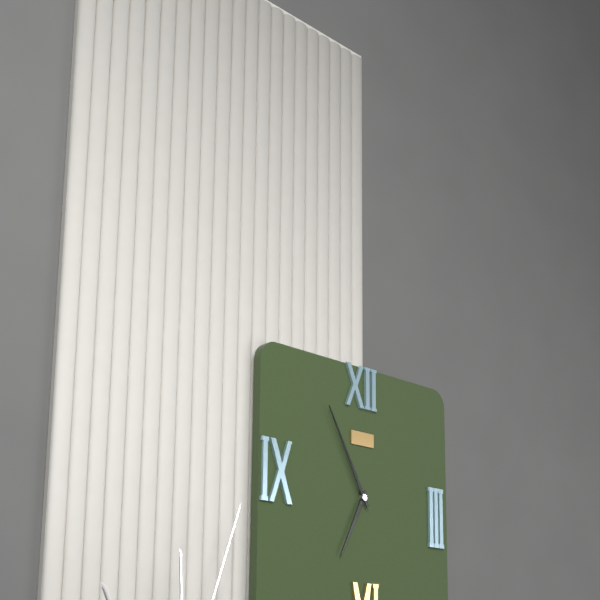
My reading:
6 h 55 min
